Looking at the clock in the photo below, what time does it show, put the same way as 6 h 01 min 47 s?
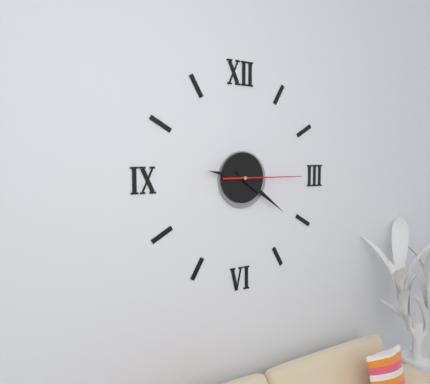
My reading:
9 h 21 min 15 s
